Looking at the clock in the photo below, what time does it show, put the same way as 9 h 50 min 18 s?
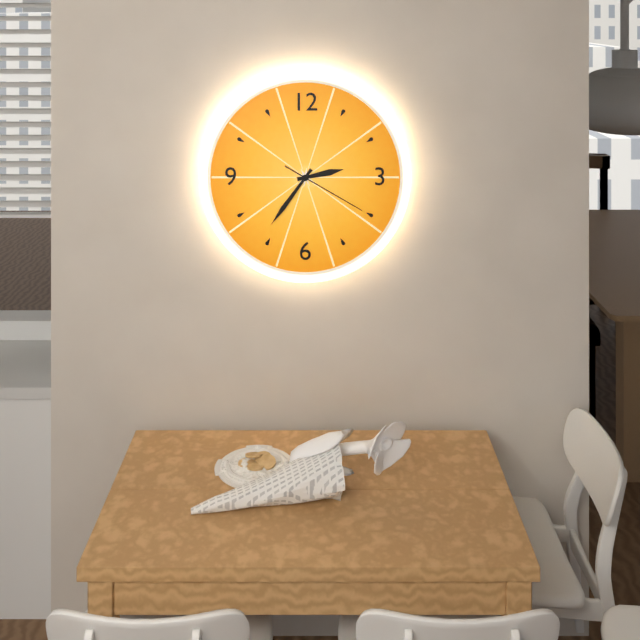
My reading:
2 h 36 min 20 s
